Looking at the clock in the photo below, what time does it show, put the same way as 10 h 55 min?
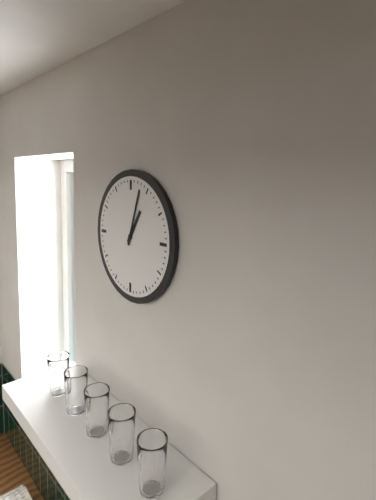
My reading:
1 h 03 min
